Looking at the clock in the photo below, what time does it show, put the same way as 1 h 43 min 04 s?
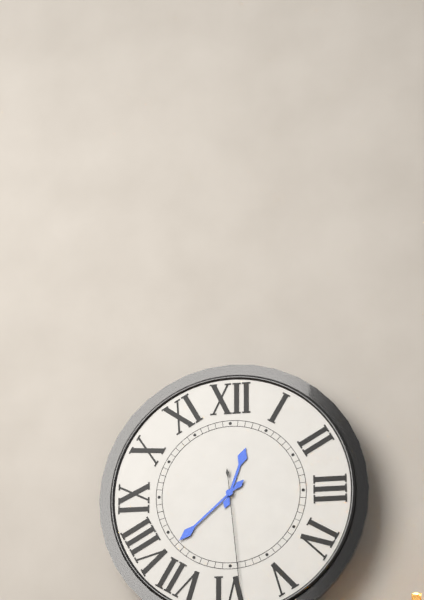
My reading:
12 h 38 min 29 s
